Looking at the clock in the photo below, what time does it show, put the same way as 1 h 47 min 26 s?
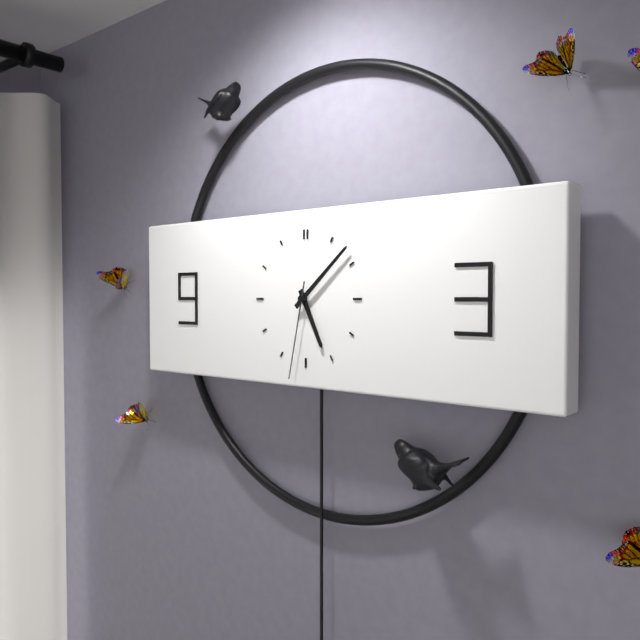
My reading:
5 h 08 min 32 s
